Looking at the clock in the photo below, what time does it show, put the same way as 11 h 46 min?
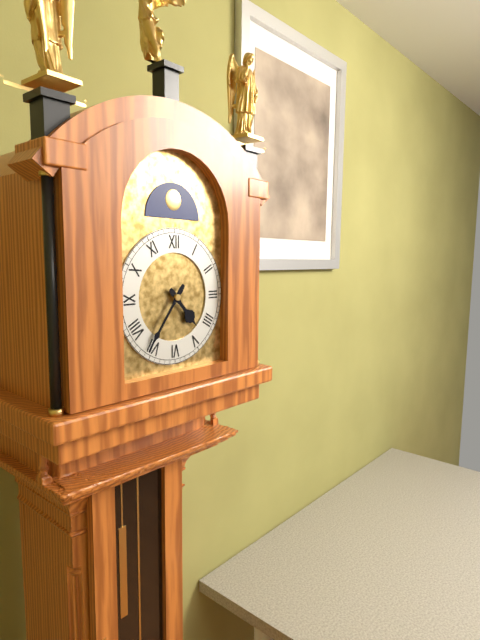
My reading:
4 h 36 min
